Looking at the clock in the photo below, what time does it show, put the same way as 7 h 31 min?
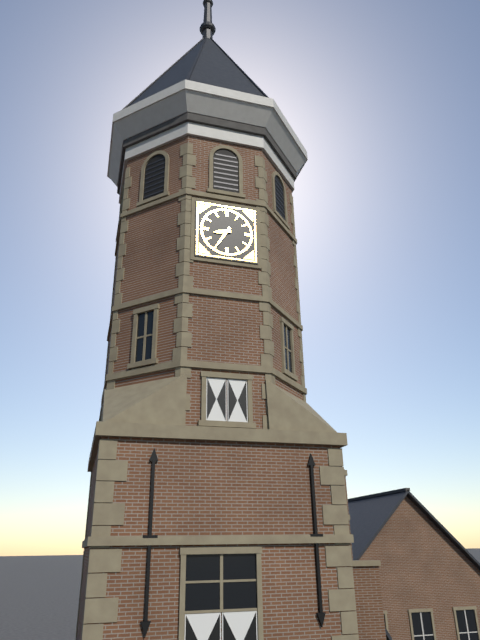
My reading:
8 h 35 min
